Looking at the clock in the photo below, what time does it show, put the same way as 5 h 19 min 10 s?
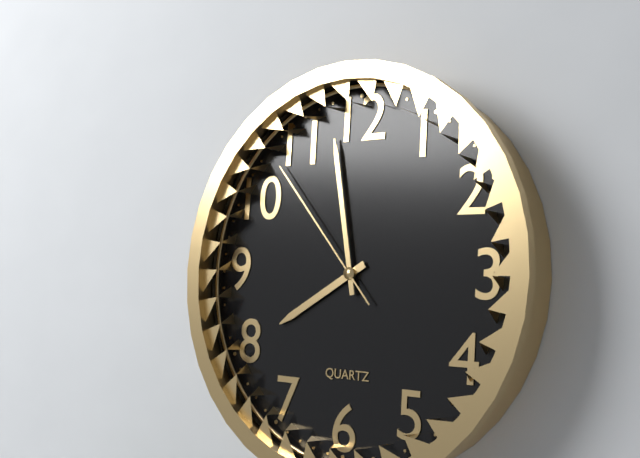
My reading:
7 h 58 min 53 s
